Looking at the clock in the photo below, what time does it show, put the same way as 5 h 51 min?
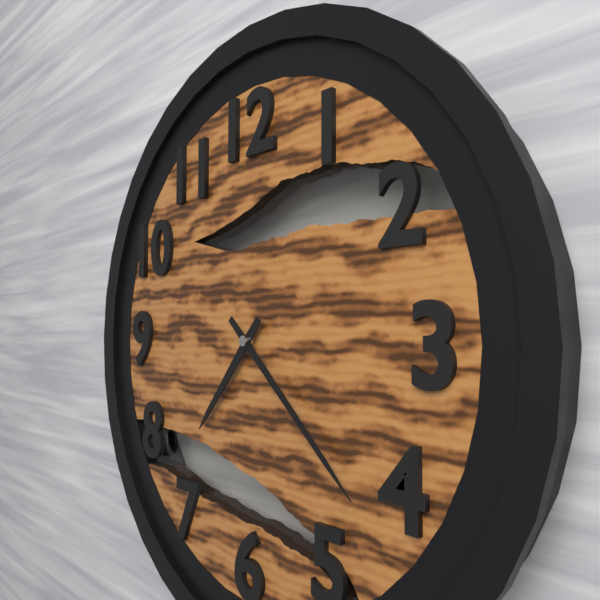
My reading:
7 h 22 min
